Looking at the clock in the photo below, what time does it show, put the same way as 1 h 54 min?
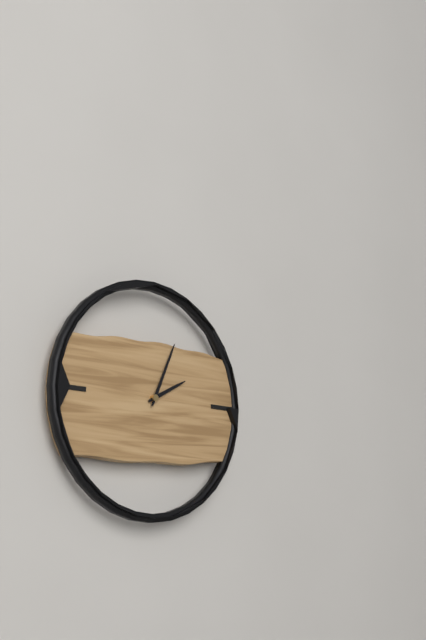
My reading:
2 h 04 min
